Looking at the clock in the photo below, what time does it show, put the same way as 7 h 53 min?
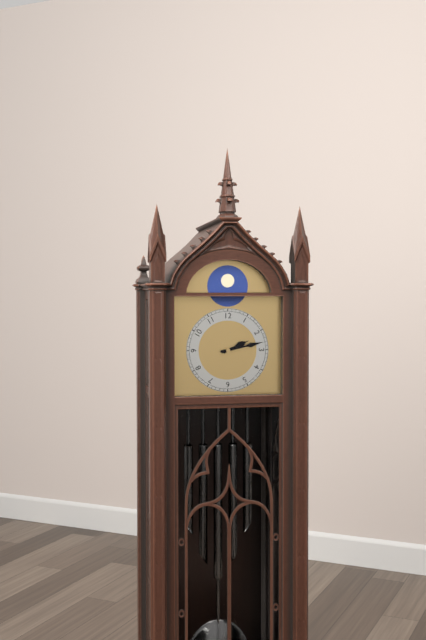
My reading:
2 h 13 min
